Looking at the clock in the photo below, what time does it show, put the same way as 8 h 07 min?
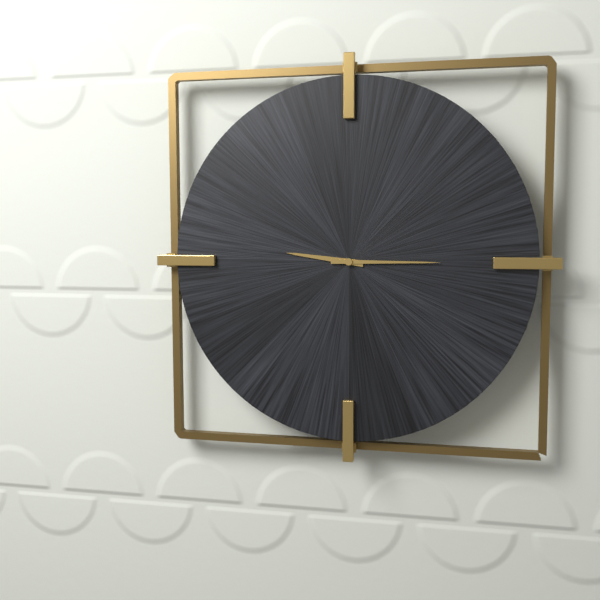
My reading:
9 h 15 min
